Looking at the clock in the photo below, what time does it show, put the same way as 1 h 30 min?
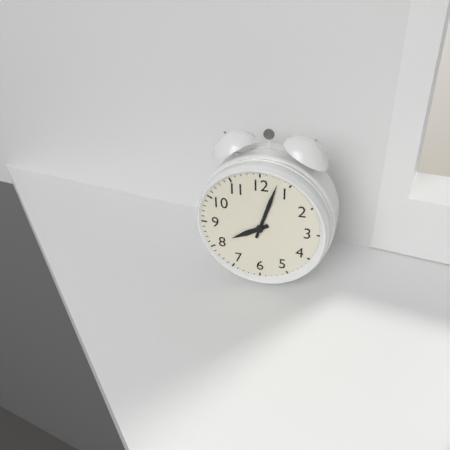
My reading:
8 h 03 min
